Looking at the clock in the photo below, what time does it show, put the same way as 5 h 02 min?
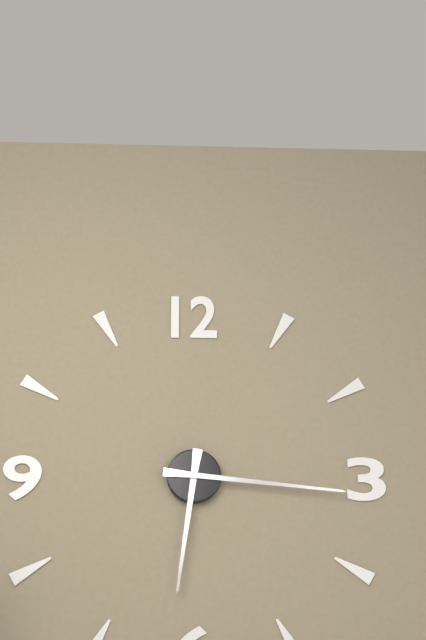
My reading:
6 h 16 min
